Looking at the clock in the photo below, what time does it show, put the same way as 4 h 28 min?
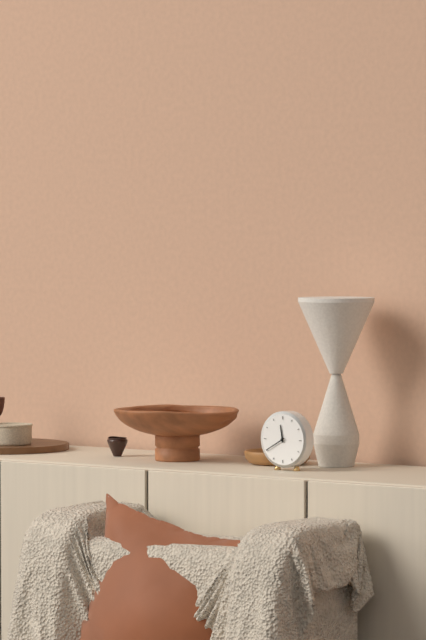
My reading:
11 h 40 min
